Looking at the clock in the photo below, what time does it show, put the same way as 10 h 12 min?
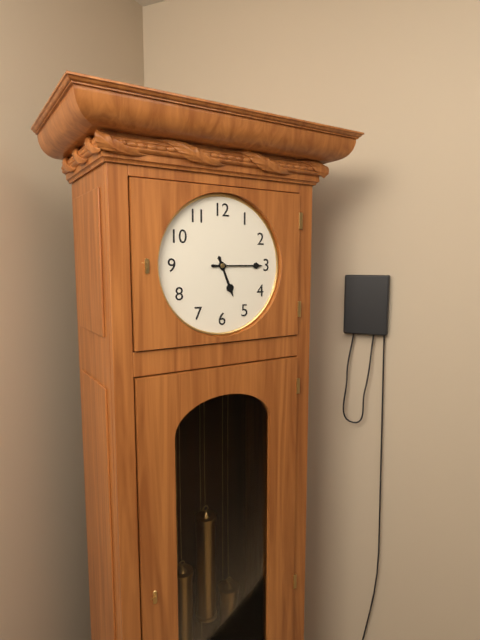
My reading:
5 h 15 min
